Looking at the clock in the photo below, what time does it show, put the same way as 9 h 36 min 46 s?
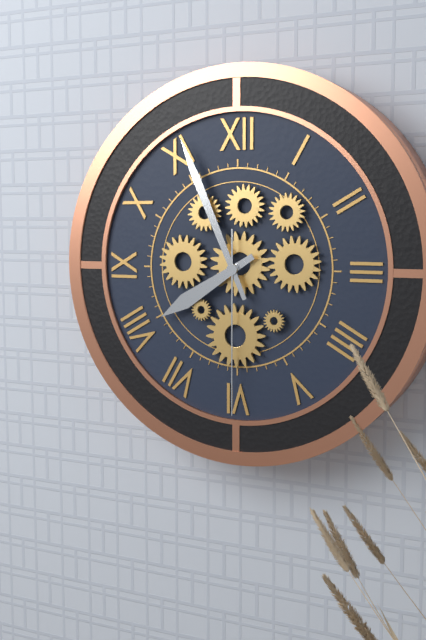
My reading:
7 h 56 min 30 s
